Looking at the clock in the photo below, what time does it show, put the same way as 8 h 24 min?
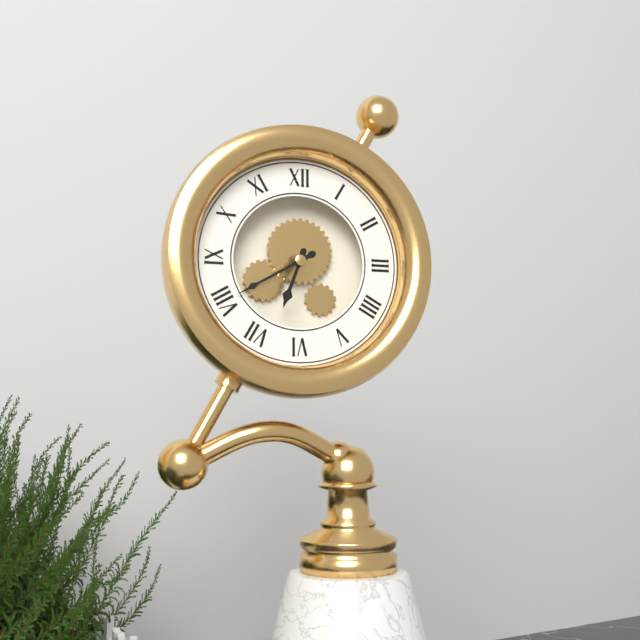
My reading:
6 h 40 min
